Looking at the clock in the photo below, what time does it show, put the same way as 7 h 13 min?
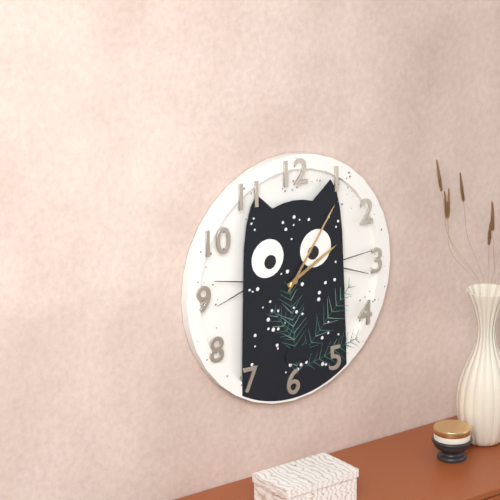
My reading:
2 h 06 min
